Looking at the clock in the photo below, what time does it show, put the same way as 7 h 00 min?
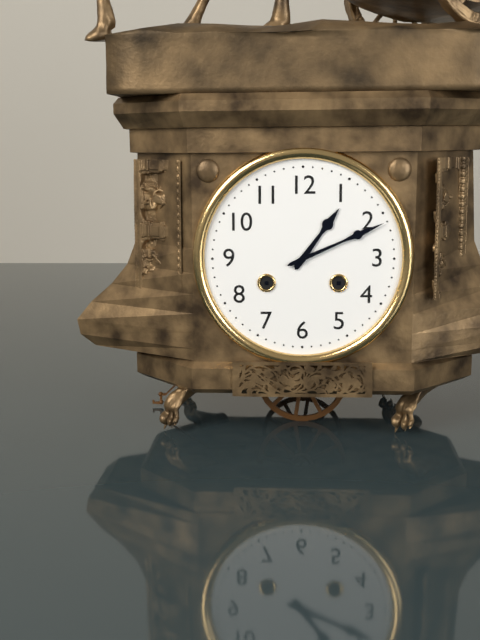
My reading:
1 h 11 min
